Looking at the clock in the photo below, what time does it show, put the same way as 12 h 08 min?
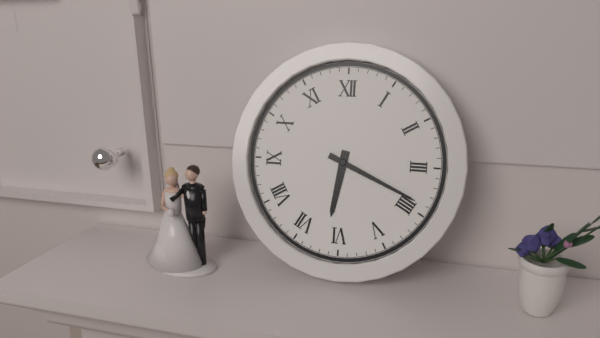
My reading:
6 h 19 min
